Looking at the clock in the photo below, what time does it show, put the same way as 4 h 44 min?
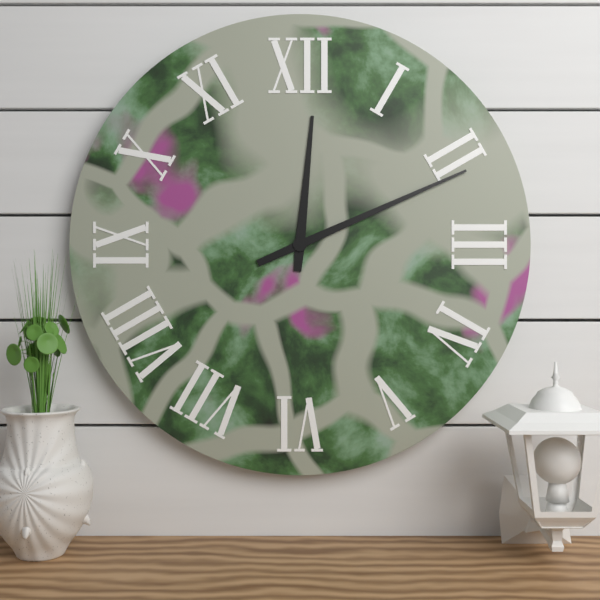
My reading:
12 h 11 min
